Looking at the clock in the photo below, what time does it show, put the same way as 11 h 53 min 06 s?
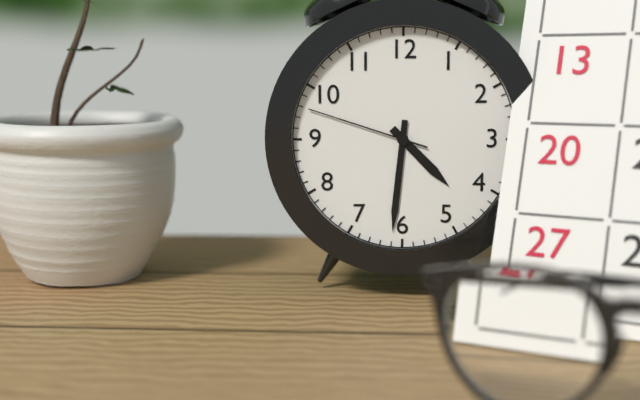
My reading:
4 h 31 min 48 s
